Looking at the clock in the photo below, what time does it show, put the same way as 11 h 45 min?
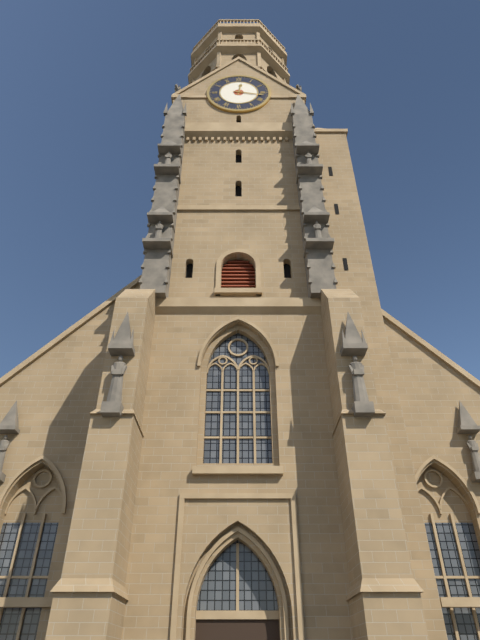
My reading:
12 h 17 min
